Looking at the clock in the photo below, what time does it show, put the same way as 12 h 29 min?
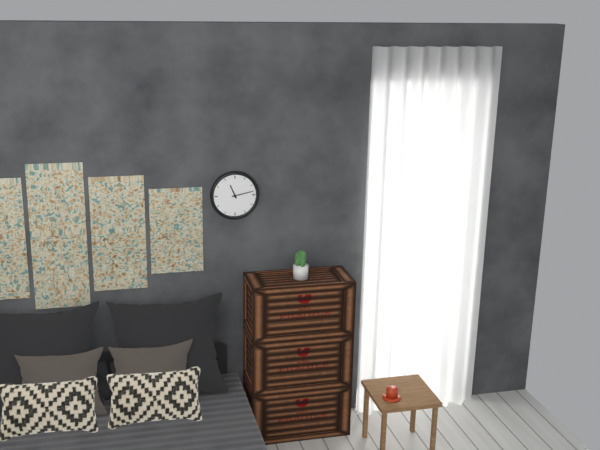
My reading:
11 h 13 min
